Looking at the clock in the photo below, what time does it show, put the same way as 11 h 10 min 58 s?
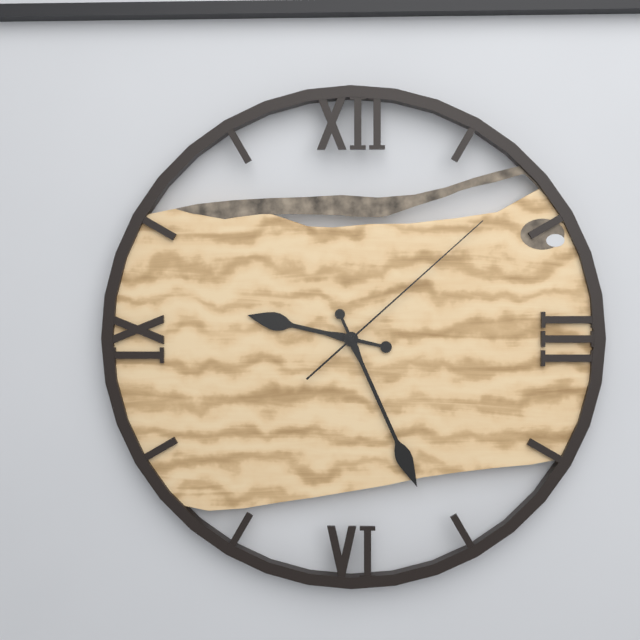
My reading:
9 h 26 min 08 s
